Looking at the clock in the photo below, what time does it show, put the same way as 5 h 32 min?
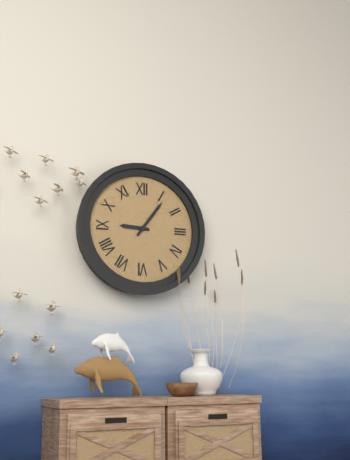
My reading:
9 h 06 min
